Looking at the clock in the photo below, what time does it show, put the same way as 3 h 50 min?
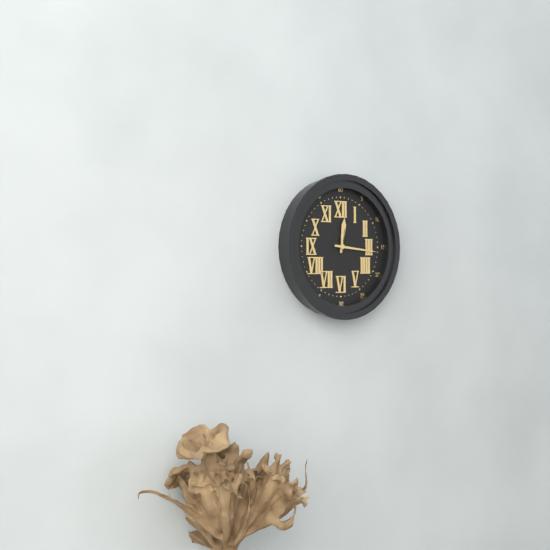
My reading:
12 h 16 min
